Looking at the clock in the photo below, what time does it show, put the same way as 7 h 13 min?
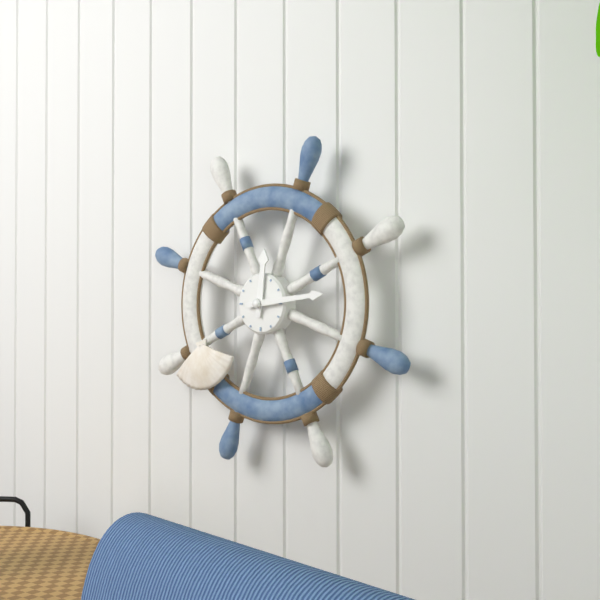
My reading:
12 h 14 min
